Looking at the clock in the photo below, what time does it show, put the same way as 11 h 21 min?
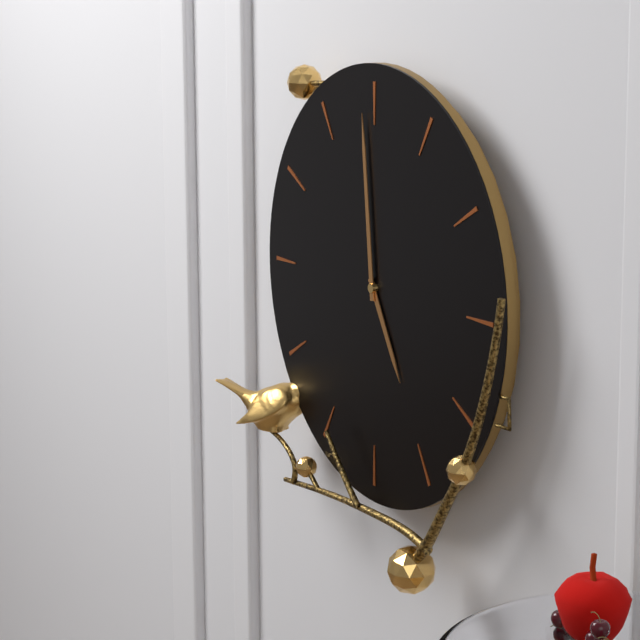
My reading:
4 h 59 min
